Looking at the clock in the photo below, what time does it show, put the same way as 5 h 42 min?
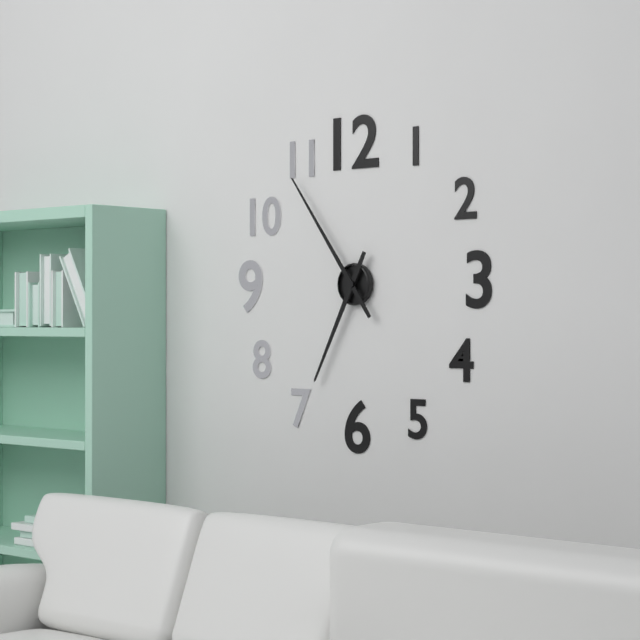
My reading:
6 h 54 min
